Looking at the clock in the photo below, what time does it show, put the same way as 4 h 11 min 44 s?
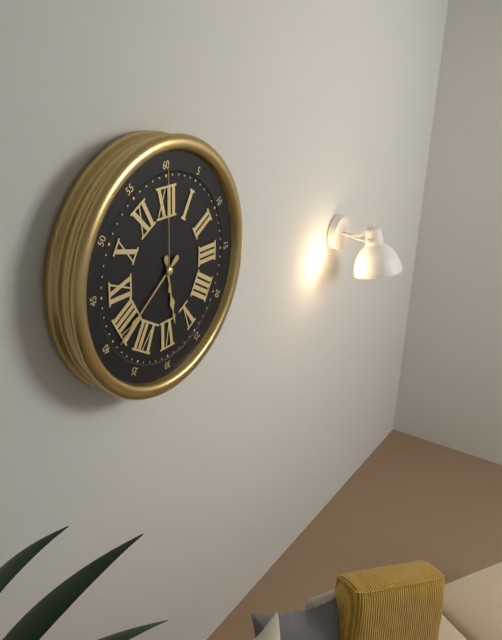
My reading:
5 h 39 min 00 s
